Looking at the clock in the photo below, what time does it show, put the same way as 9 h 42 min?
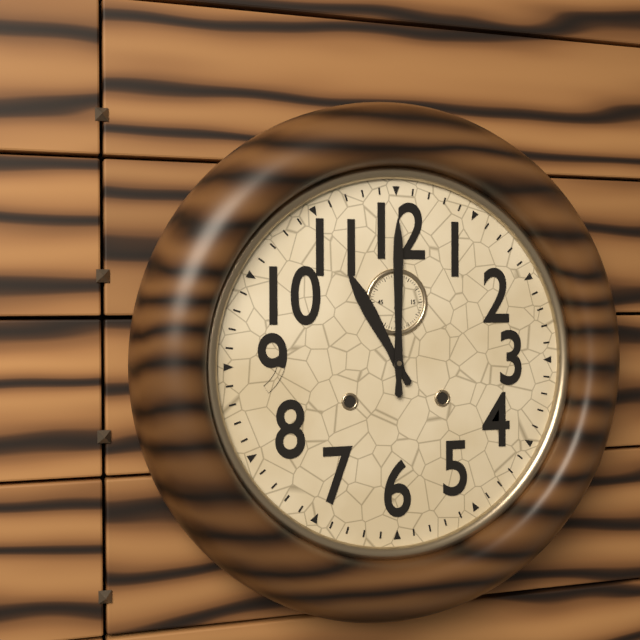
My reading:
11 h 00 min
